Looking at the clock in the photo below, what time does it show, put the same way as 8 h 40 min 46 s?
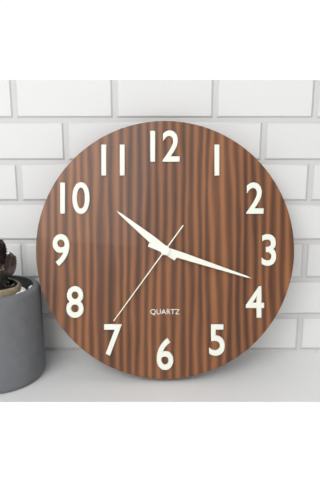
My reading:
10 h 18 min 36 s
